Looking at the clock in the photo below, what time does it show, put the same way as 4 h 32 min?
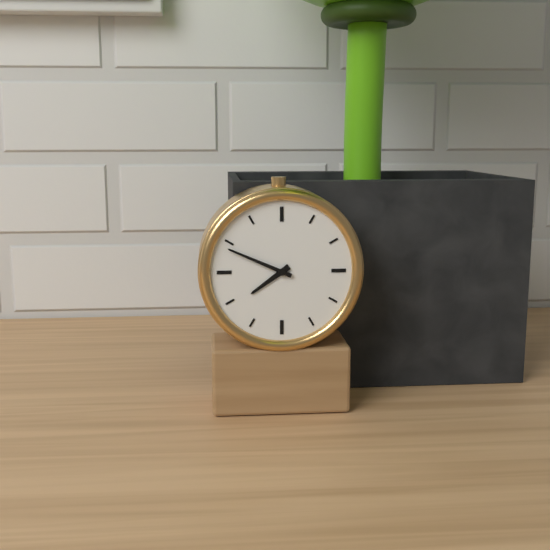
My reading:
7 h 49 min
